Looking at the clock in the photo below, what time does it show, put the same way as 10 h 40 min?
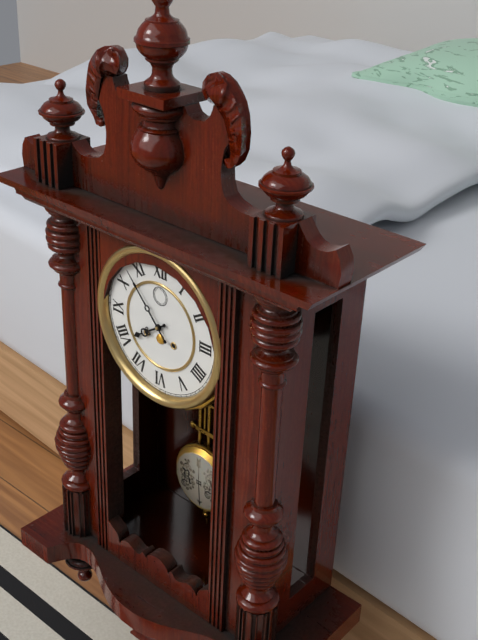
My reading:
7 h 53 min
